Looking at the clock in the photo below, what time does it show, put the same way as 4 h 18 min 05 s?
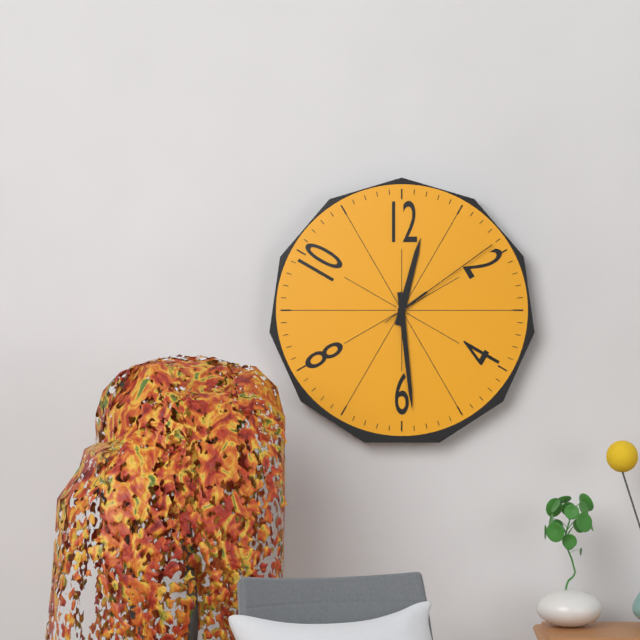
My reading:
12 h 29 min 09 s
